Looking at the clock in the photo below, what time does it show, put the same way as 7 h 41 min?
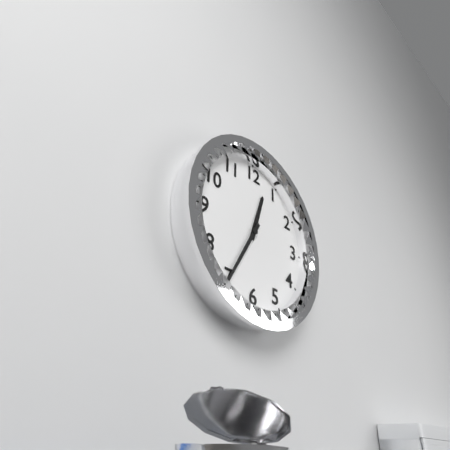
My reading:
12 h 35 min
